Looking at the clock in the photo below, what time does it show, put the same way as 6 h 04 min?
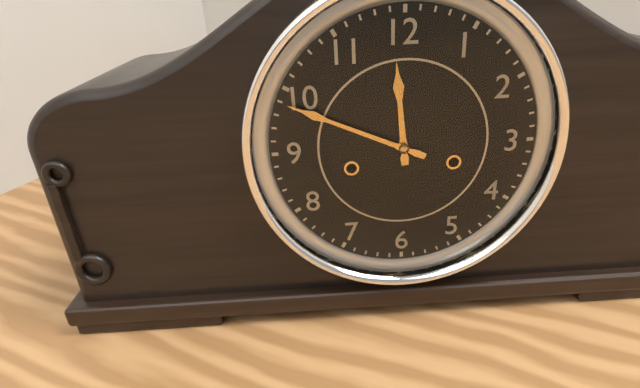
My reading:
11 h 49 min
